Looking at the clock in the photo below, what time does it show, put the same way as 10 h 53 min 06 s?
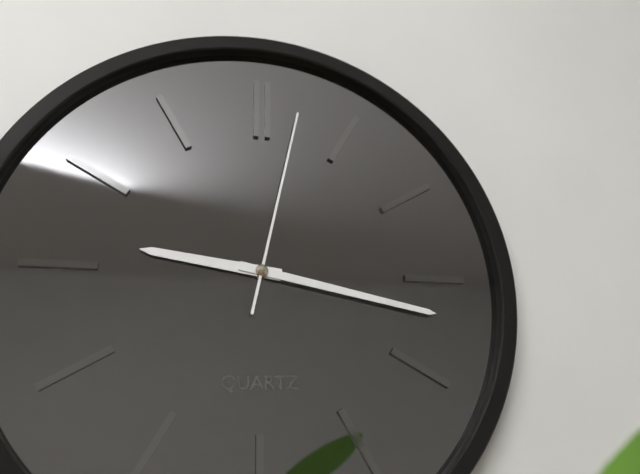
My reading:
9 h 17 min 02 s
